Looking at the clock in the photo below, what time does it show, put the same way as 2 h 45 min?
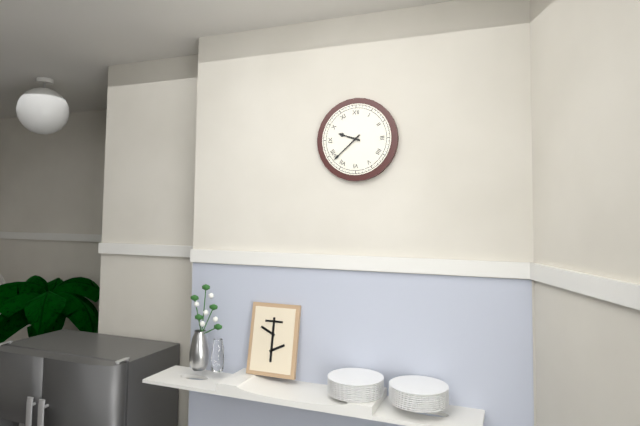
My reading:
9 h 38 min
